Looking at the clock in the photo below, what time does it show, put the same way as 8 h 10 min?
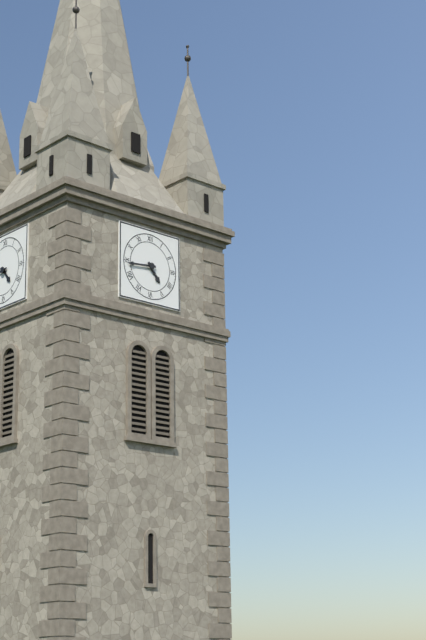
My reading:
4 h 44 min
